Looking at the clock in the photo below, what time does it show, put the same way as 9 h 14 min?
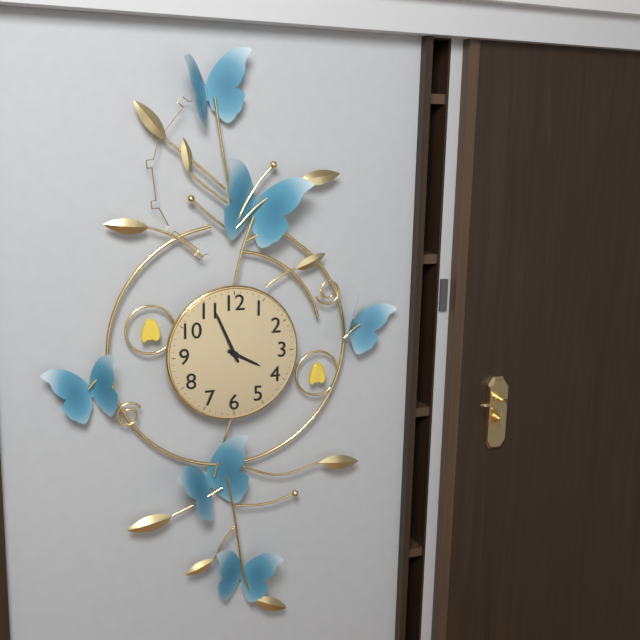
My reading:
3 h 56 min
